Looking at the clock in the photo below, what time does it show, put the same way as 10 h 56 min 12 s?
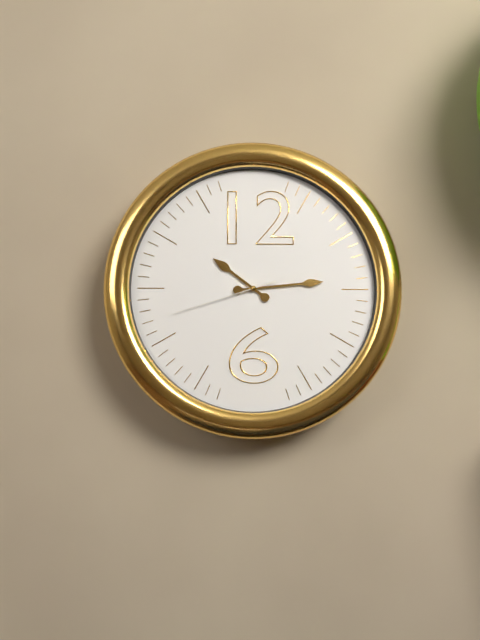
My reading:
10 h 14 min 42 s
